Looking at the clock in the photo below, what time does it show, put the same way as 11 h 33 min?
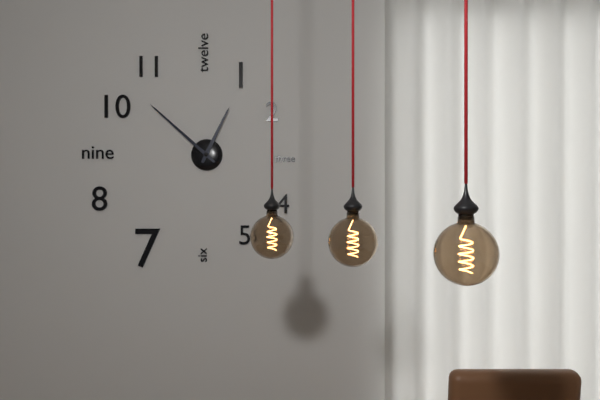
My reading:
12 h 52 min
